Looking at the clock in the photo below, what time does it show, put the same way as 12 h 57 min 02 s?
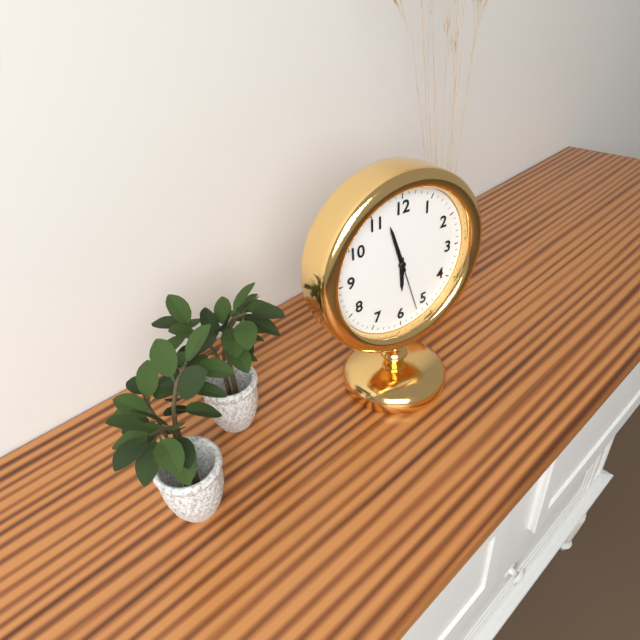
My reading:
5 h 57 min 27 s
